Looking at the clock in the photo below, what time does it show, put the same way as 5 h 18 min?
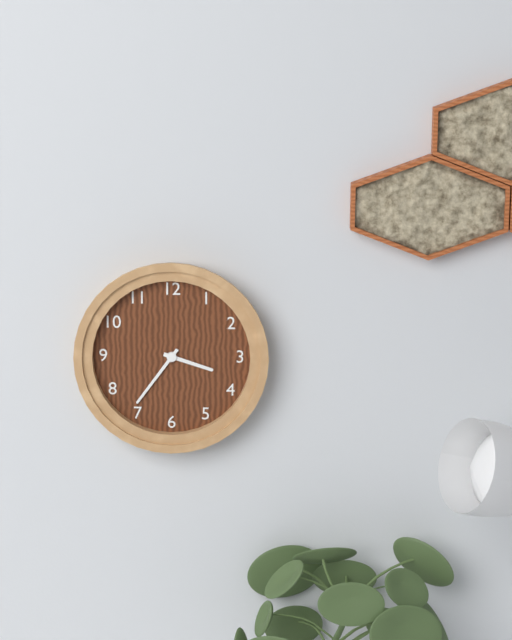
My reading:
3 h 36 min
